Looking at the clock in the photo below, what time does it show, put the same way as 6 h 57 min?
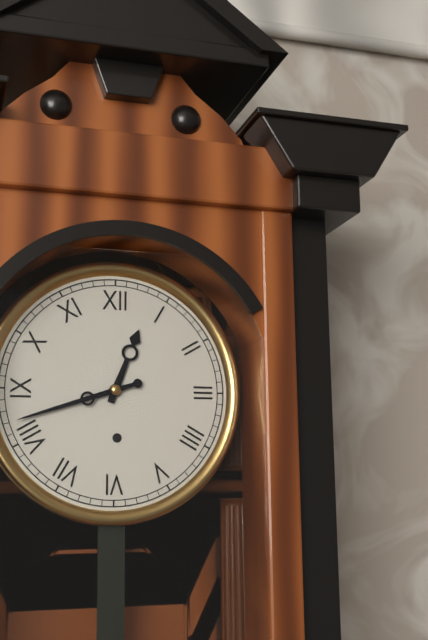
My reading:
12 h 42 min
